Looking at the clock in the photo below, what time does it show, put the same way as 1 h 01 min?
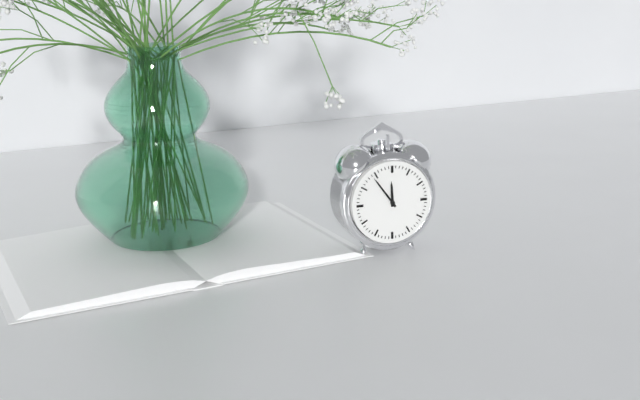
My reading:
11 h 54 min
